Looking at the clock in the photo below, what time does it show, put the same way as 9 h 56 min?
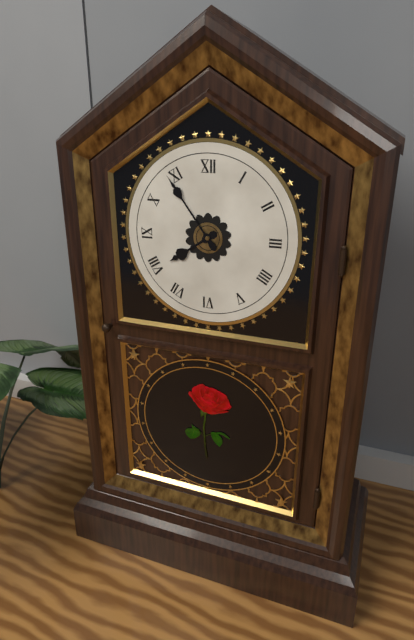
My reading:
7 h 54 min
